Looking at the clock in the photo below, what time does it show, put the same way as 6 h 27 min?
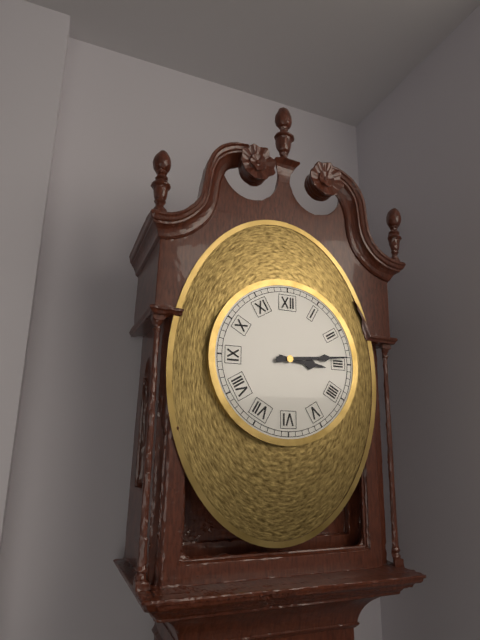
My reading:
3 h 14 min
